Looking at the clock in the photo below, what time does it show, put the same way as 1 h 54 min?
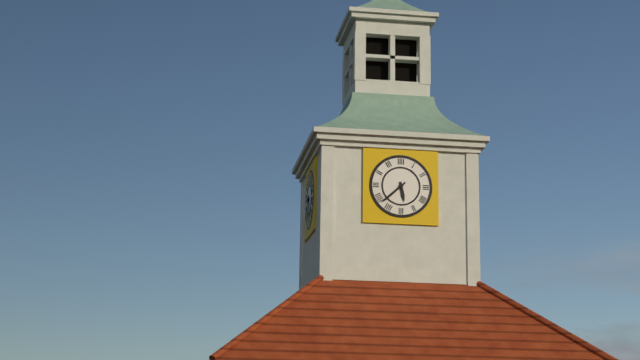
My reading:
5 h 38 min
